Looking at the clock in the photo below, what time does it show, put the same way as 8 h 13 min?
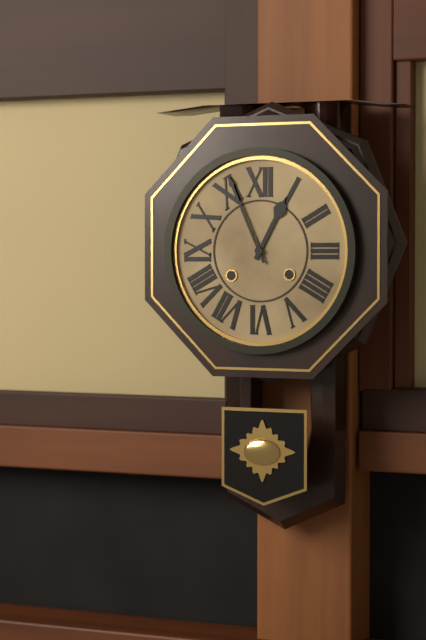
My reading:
12 h 56 min
